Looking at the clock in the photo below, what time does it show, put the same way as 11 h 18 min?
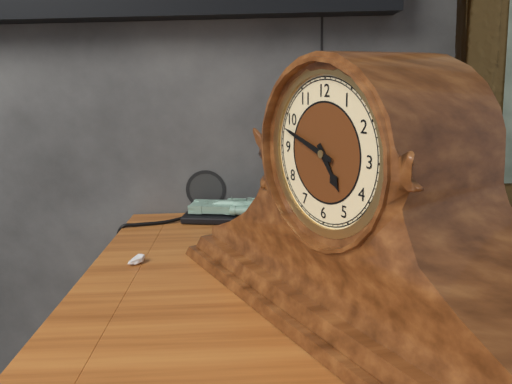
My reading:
4 h 48 min
